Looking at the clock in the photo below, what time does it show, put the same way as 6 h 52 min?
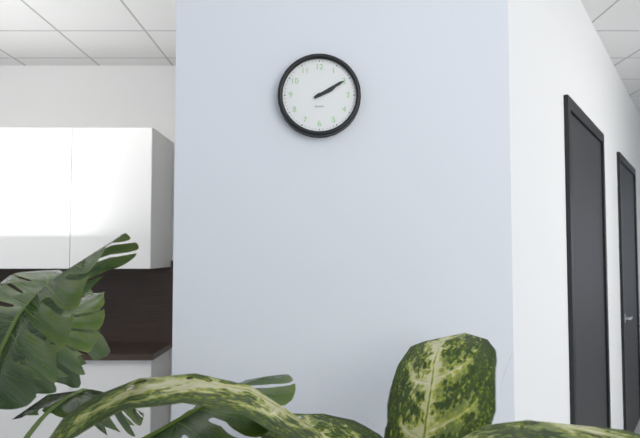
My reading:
2 h 10 min
